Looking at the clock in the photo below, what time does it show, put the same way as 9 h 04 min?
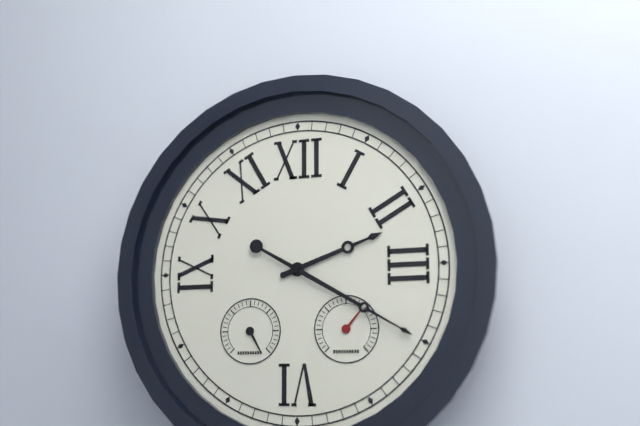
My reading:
2 h 20 min
